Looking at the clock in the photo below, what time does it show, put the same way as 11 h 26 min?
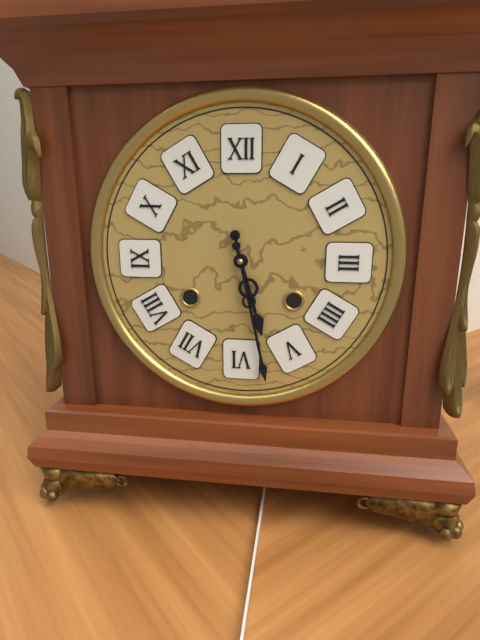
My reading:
5 h 28 min
